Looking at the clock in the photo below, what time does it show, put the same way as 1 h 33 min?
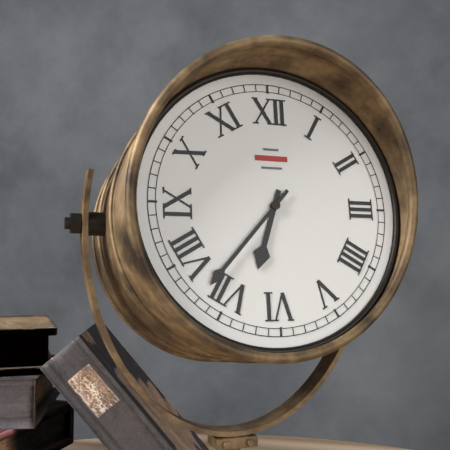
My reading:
6 h 37 min
